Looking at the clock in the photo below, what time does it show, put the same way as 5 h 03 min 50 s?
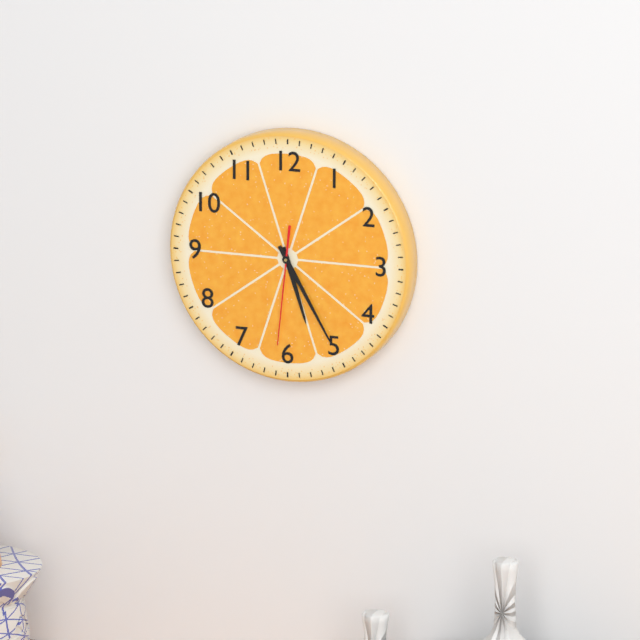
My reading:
5 h 25 min 31 s
